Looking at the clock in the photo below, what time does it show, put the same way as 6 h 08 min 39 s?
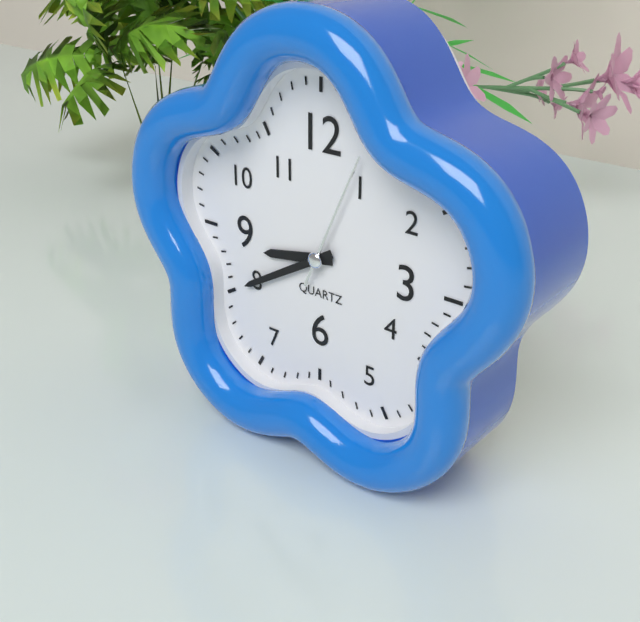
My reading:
8 h 40 min 04 s
